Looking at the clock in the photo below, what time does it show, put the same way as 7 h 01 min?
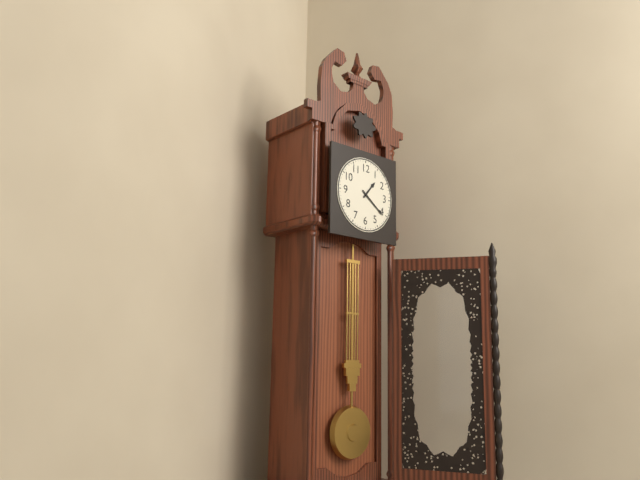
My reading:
1 h 21 min
